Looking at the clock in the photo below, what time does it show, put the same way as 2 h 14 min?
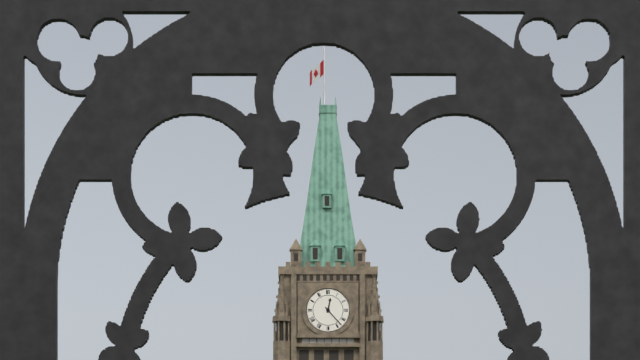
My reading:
12 h 23 min
